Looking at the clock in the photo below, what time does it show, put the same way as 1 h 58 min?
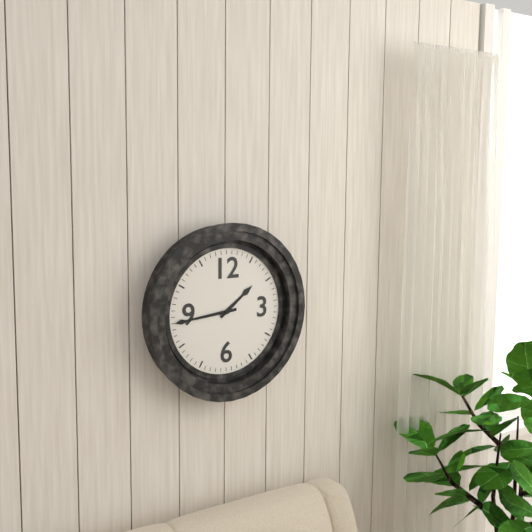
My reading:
1 h 44 min
